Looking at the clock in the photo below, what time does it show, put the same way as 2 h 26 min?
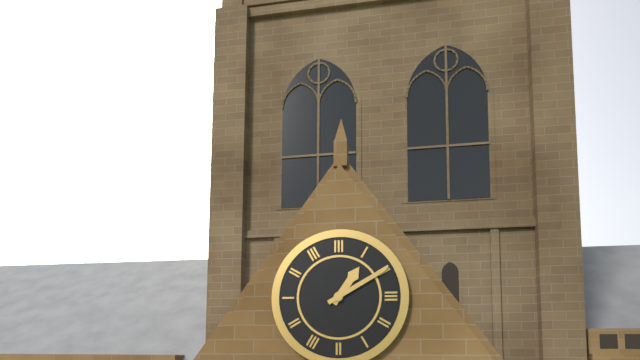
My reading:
1 h 10 min
